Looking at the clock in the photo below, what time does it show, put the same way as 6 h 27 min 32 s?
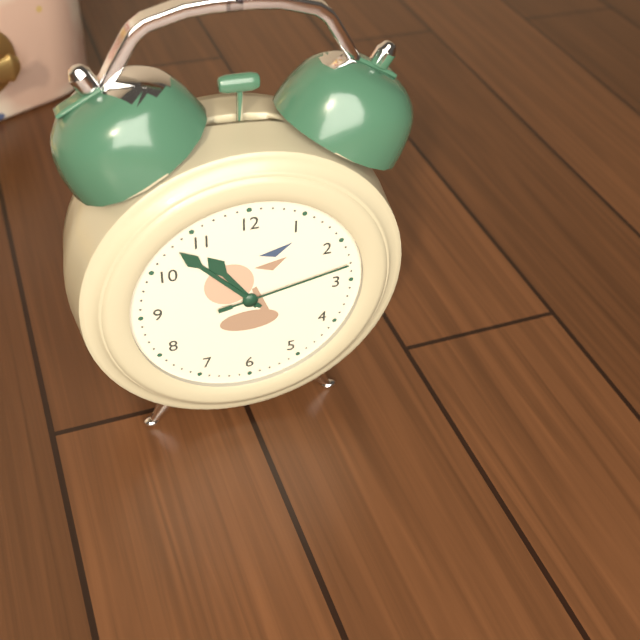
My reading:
10 h 53 min 13 s
